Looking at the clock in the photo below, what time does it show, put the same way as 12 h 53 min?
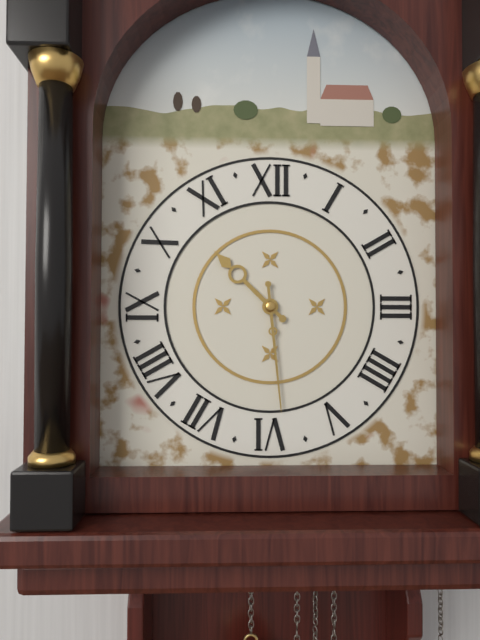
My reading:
10 h 29 min
